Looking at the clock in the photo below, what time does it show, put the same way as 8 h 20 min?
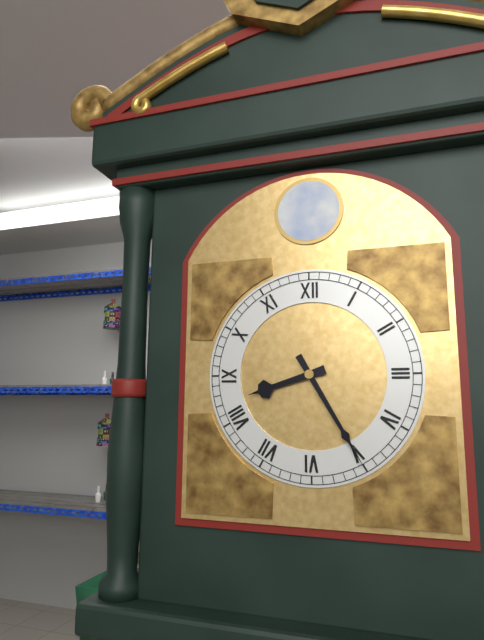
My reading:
8 h 25 min
